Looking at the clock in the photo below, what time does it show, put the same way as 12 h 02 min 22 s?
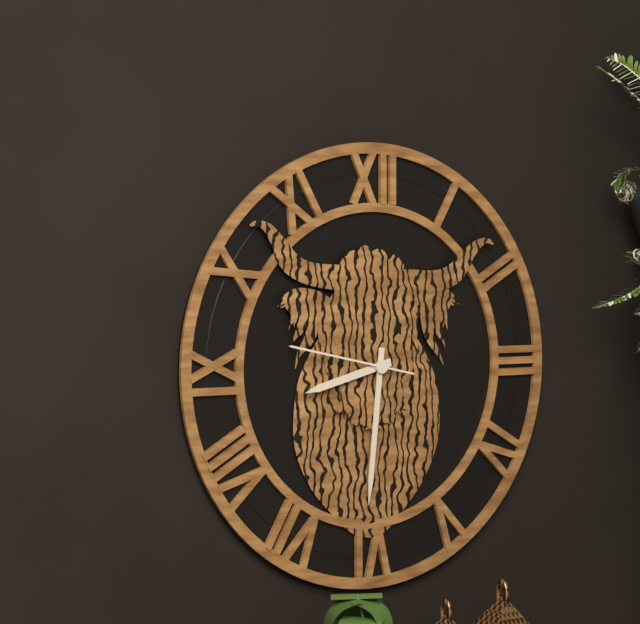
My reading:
8 h 31 min 47 s
